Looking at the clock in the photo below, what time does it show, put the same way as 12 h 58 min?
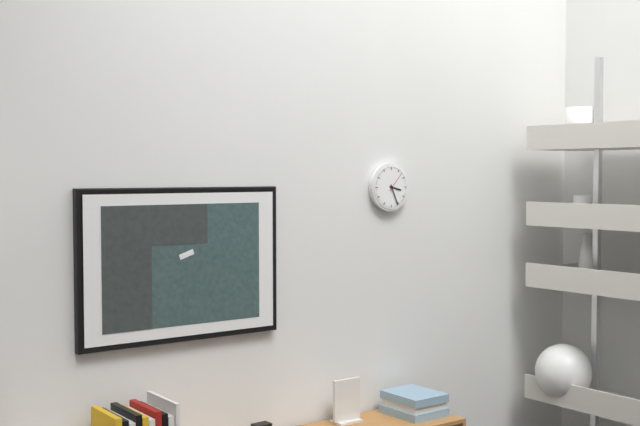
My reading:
3 h 26 min
